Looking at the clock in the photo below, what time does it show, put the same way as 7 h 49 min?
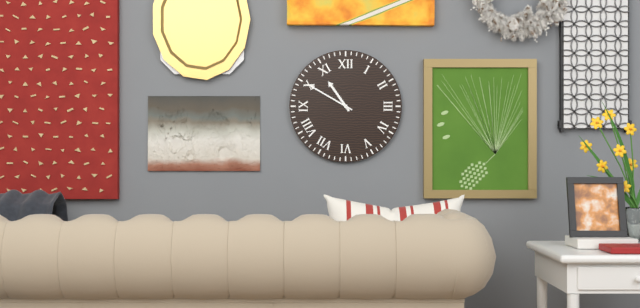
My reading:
10 h 50 min
